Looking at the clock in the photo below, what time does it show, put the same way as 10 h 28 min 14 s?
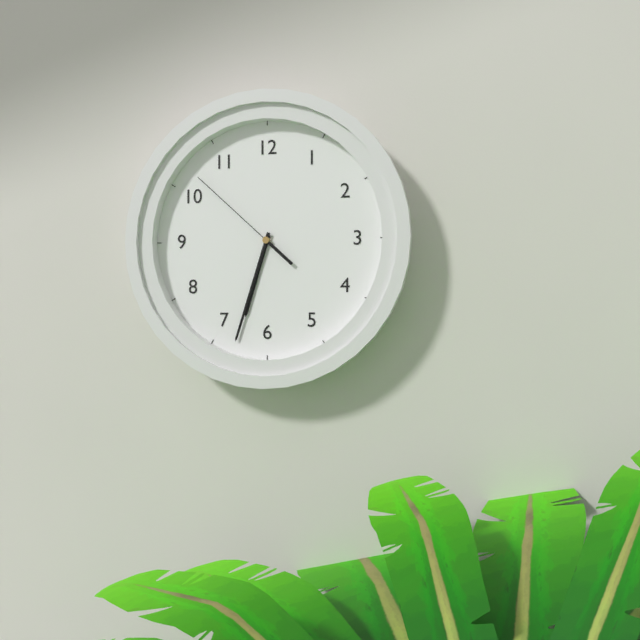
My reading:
6 h 33 min 52 s
